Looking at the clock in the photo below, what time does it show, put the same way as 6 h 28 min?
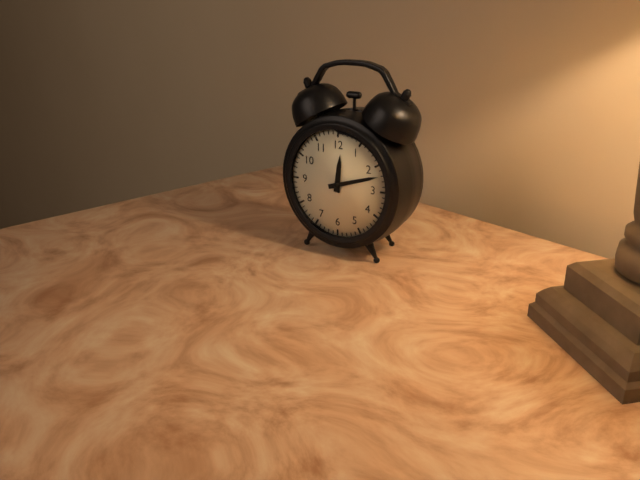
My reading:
12 h 12 min
